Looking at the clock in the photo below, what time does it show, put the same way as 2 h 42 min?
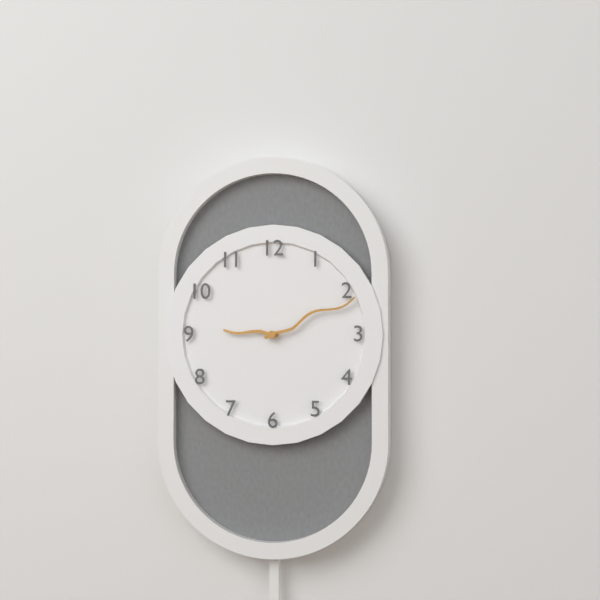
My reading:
9 h 11 min
